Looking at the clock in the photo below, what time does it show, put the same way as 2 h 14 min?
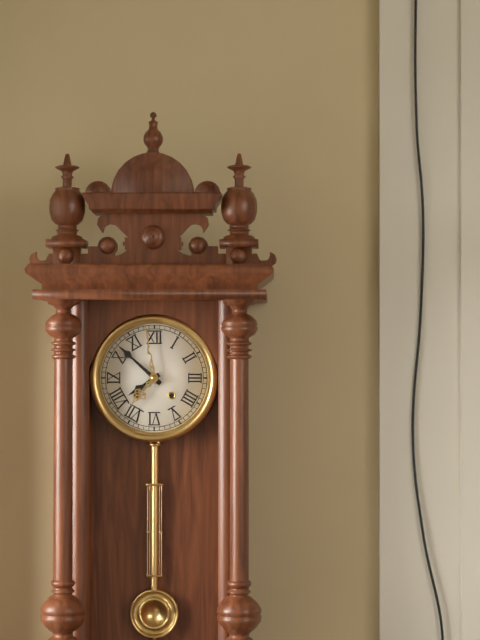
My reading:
7 h 52 min
